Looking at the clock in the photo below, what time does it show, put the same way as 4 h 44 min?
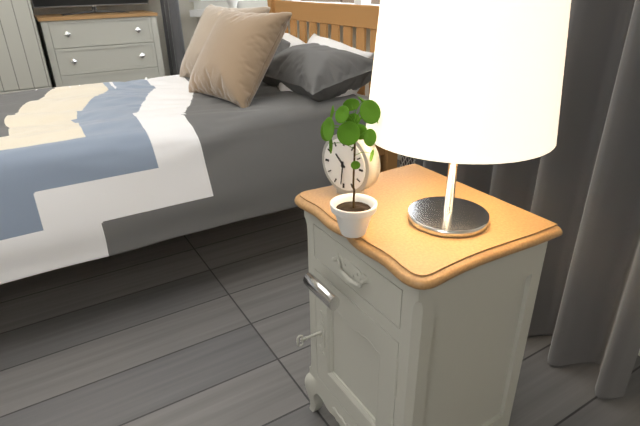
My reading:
10 h 31 min
